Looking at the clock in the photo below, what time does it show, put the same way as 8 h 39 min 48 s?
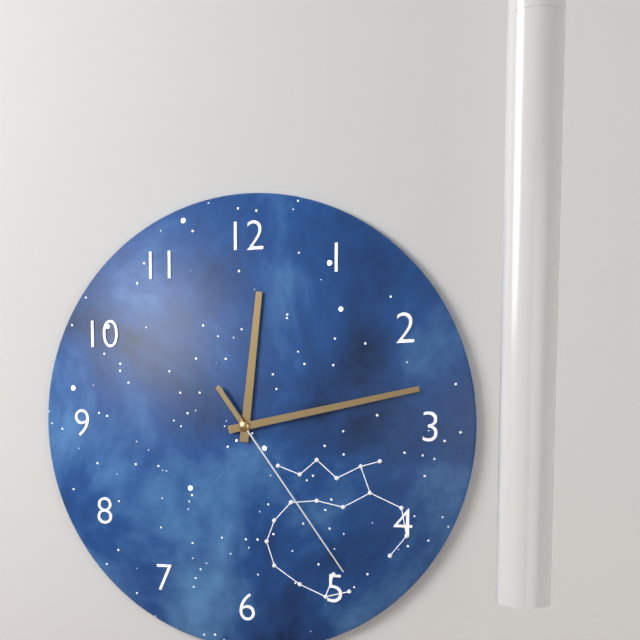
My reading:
12 h 13 min 24 s
